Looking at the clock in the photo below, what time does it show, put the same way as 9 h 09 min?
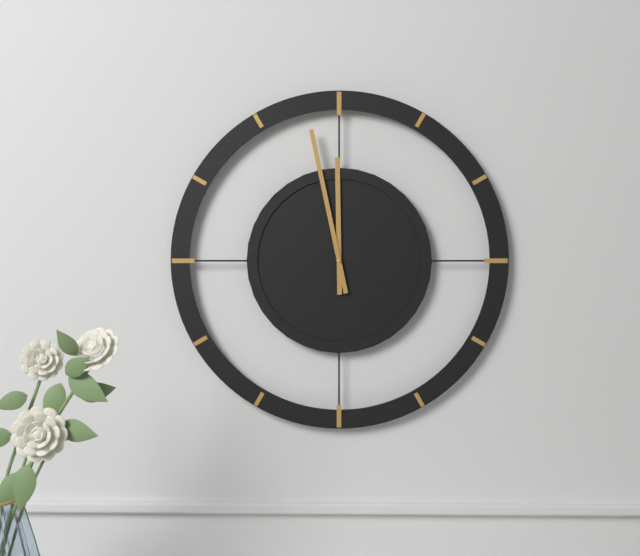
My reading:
11 h 58 min
